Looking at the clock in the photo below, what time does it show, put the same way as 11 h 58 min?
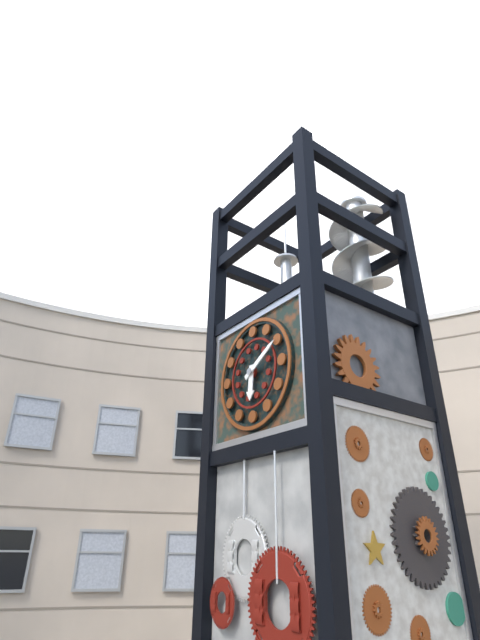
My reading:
6 h 10 min
